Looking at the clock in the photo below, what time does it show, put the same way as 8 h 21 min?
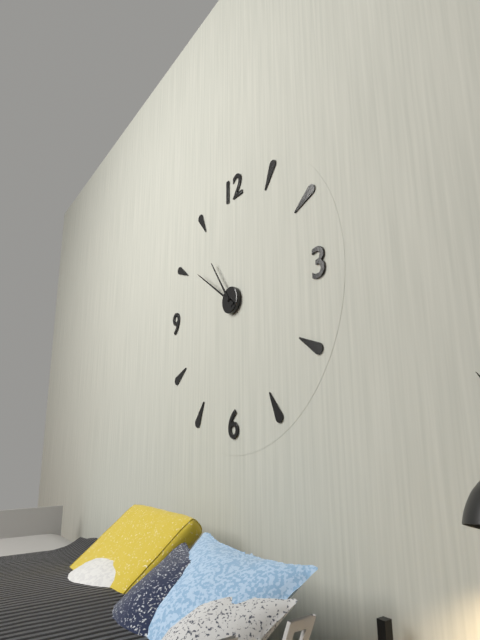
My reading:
10 h 51 min
